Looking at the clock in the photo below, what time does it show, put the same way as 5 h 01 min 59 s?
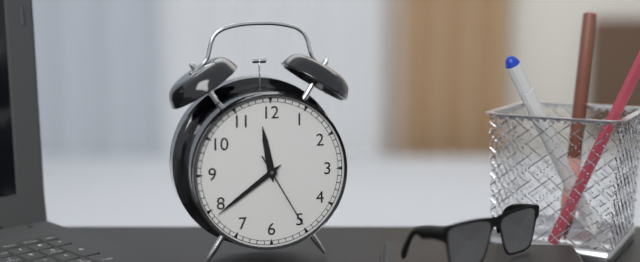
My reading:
11 h 39 min 25 s
